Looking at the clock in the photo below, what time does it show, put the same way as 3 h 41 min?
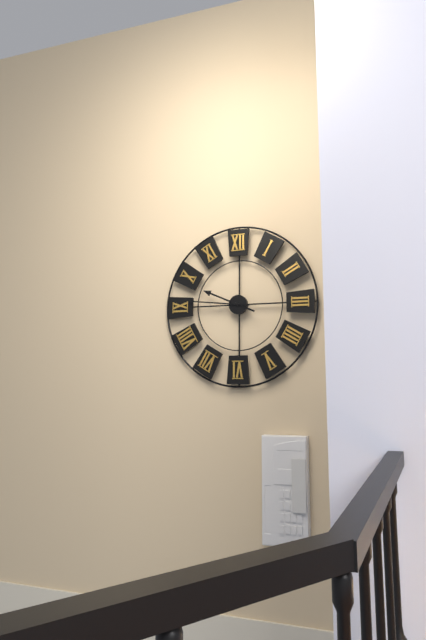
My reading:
9 h 46 min
